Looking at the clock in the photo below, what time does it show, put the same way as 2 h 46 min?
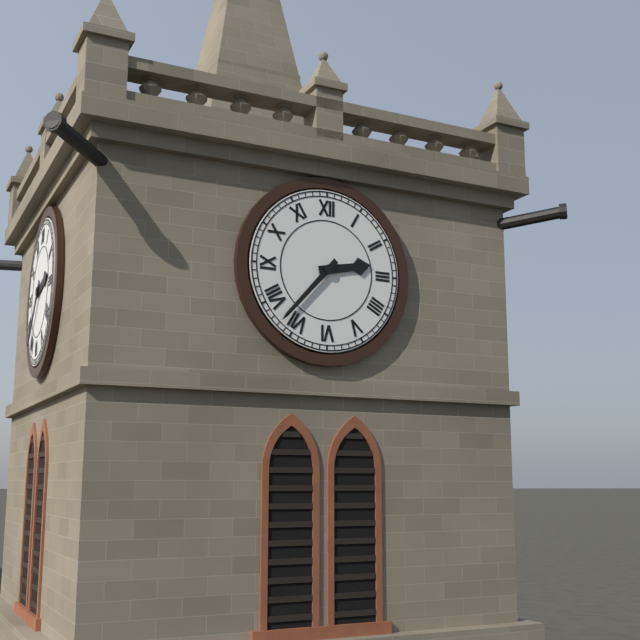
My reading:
2 h 37 min
